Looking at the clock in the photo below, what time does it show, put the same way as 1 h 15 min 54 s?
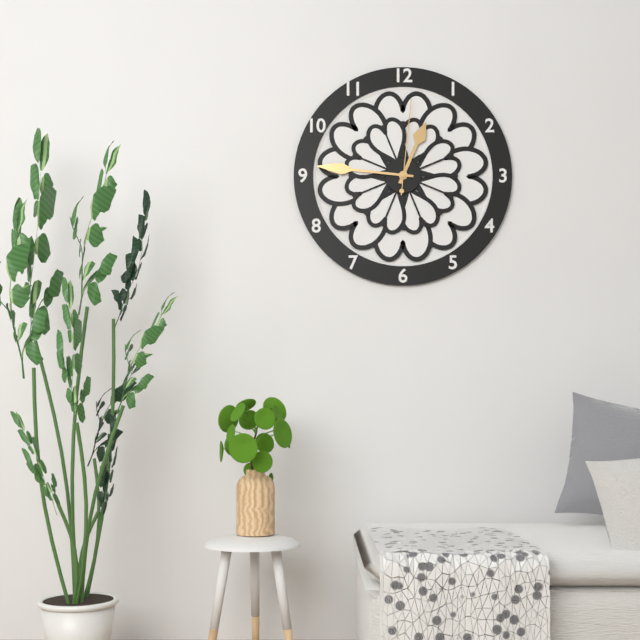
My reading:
12 h 46 min 01 s
